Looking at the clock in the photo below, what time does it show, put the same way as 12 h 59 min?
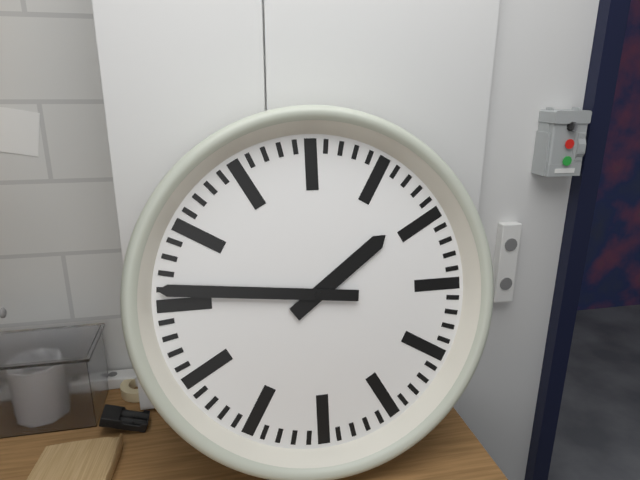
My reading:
1 h 46 min
